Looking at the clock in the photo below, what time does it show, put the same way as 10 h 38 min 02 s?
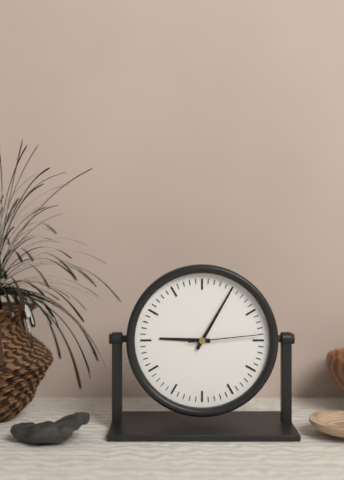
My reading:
9 h 05 min 14 s
